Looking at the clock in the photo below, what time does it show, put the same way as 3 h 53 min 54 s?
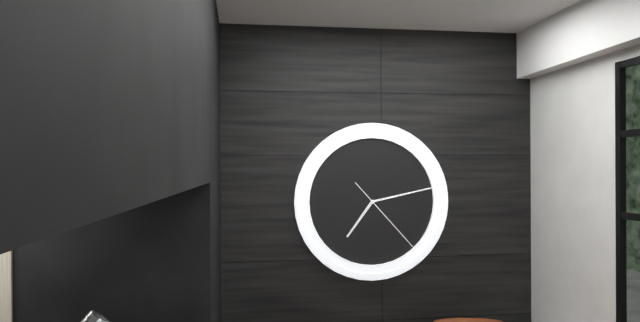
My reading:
7 h 13 min 23 s
